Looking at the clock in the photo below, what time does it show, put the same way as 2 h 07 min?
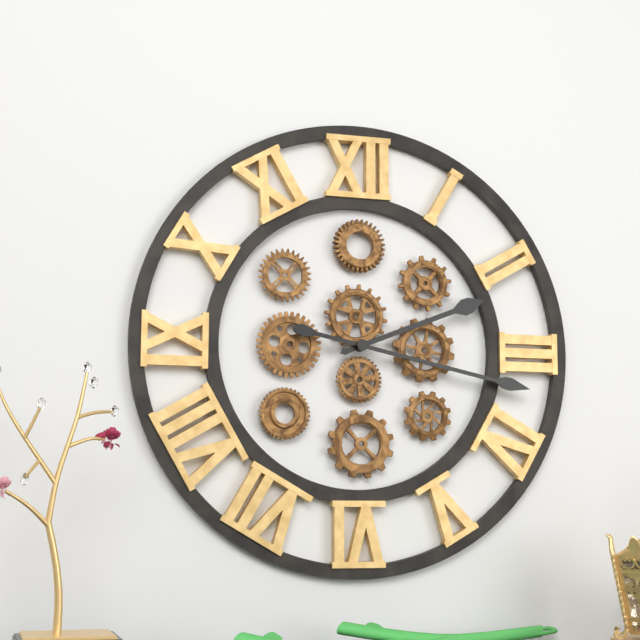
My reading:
2 h 17 min
